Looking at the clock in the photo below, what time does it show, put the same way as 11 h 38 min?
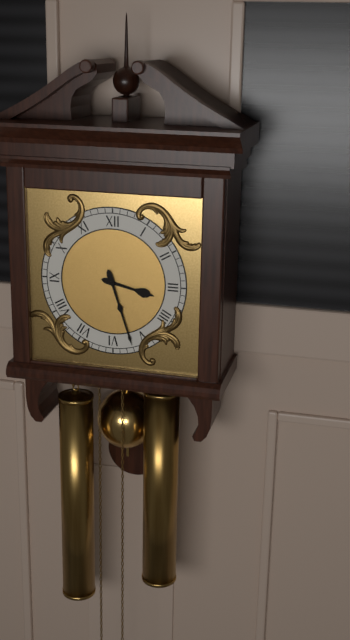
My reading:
3 h 27 min
